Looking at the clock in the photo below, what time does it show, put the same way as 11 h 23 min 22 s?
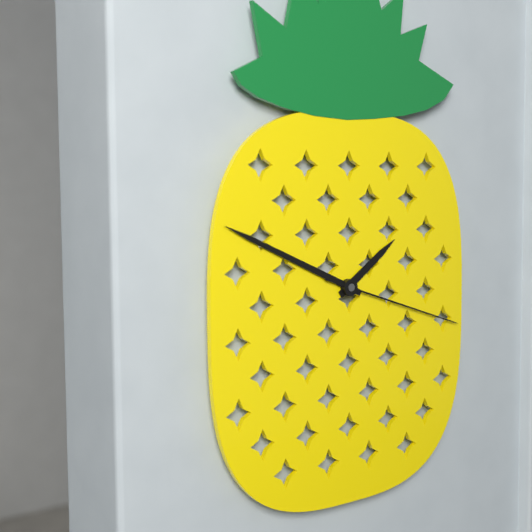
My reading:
1 h 49 min 18 s
